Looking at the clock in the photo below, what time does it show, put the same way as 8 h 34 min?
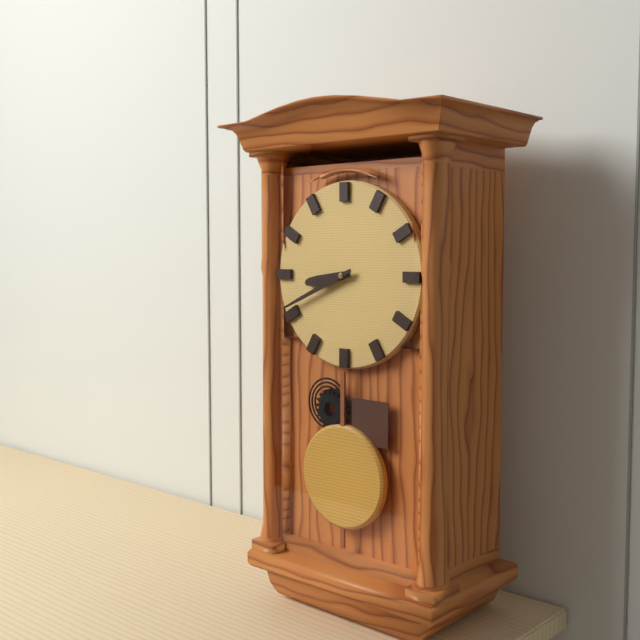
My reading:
8 h 41 min
